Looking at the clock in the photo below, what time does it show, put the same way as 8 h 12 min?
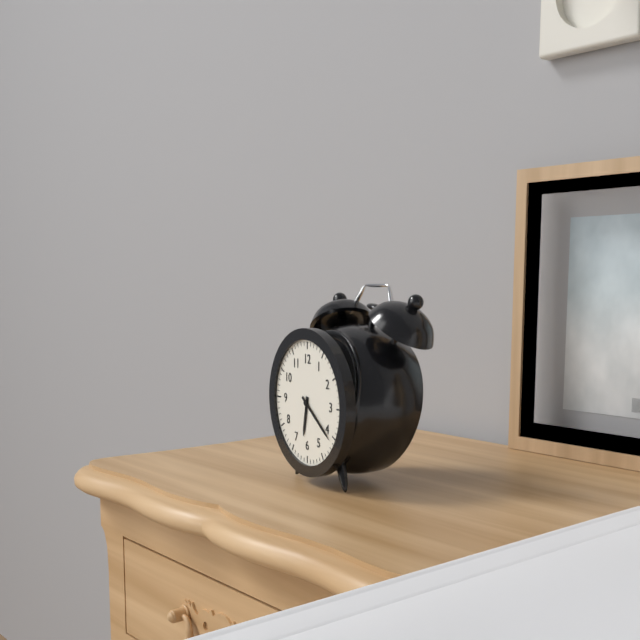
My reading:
6 h 21 min
